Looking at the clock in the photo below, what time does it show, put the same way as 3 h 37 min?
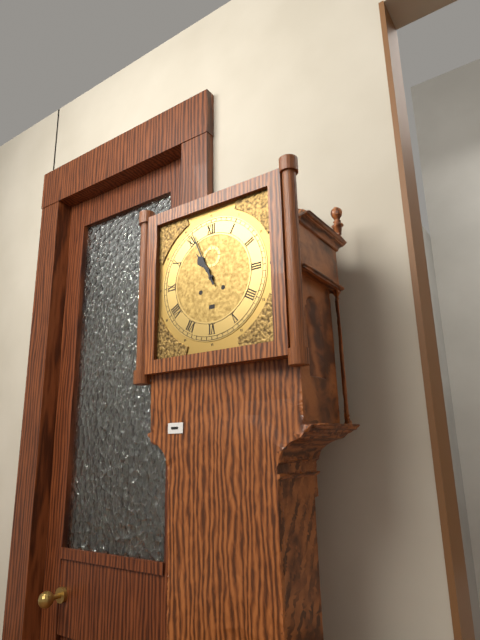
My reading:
10 h 56 min
